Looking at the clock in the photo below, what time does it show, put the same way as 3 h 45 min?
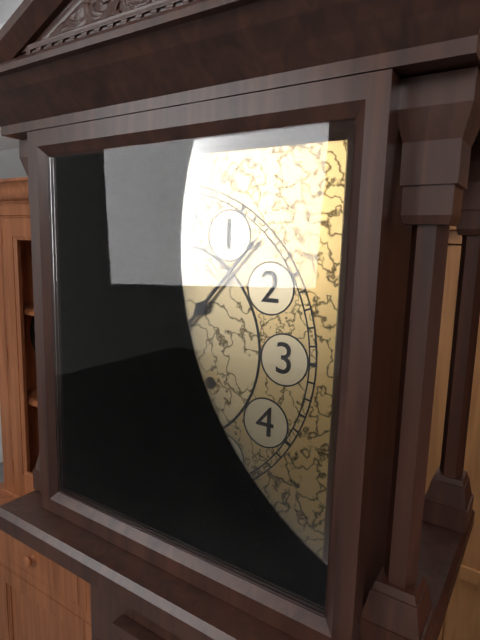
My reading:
10 h 07 min
